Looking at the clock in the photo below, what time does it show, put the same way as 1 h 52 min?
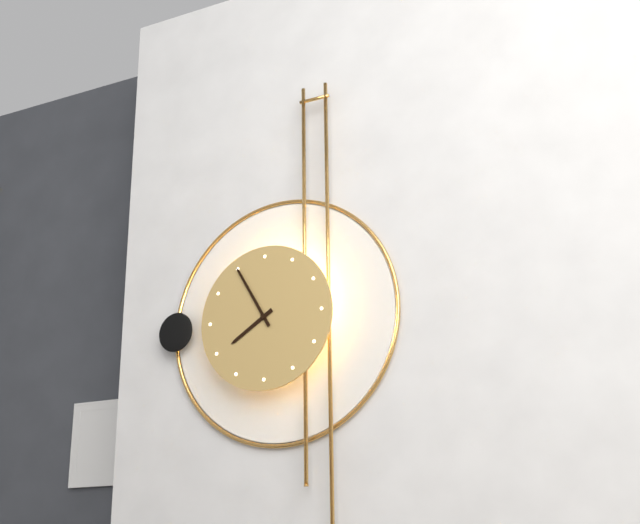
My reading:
7 h 55 min
